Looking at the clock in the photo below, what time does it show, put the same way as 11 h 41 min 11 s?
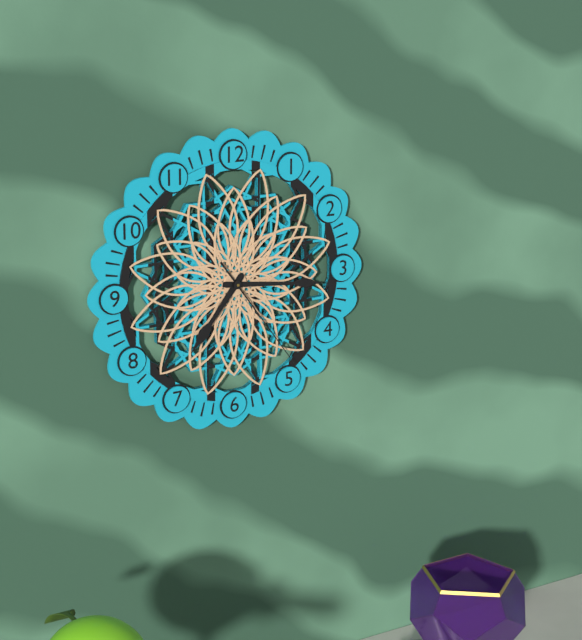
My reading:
7 h 16 min 24 s
